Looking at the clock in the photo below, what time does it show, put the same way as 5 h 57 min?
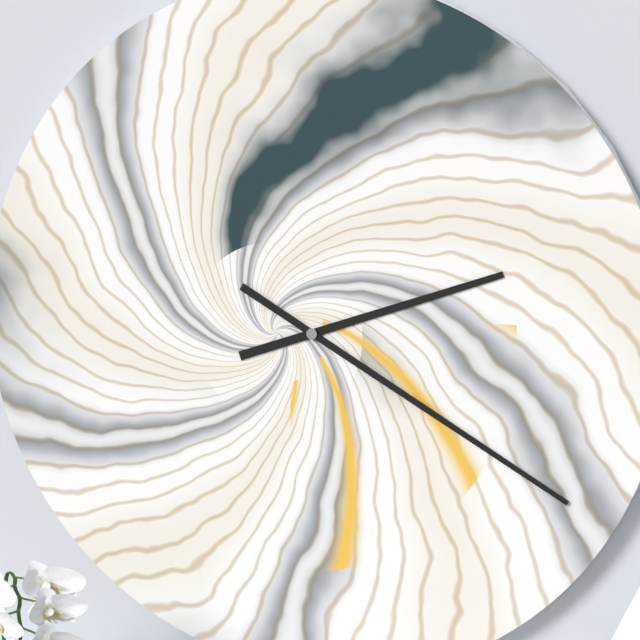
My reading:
2 h 20 min
